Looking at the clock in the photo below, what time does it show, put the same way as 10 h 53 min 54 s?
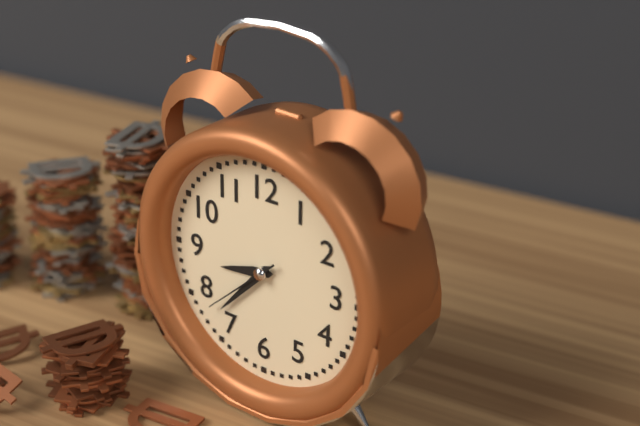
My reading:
8 h 37 min 38 s
